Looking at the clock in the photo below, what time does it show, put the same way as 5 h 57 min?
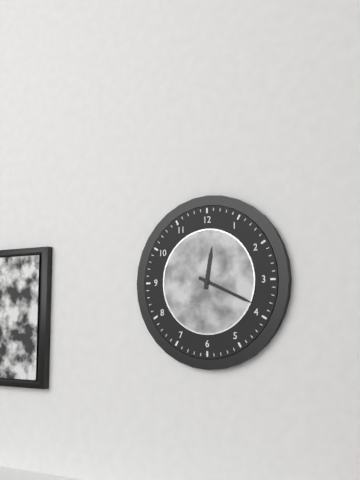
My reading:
12 h 19 min
